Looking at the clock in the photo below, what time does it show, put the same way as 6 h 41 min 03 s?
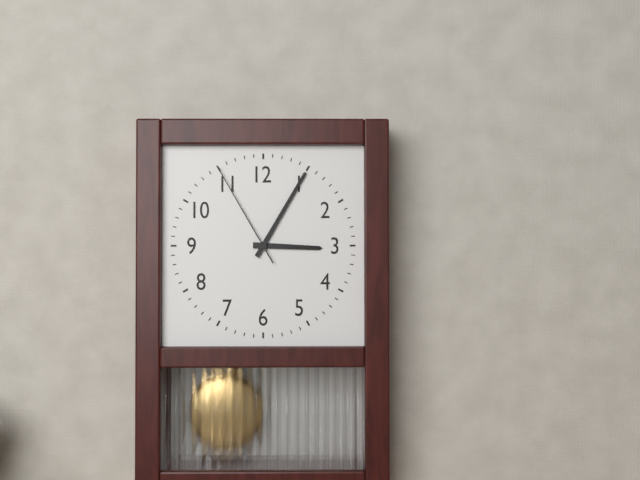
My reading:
3 h 05 min 55 s
